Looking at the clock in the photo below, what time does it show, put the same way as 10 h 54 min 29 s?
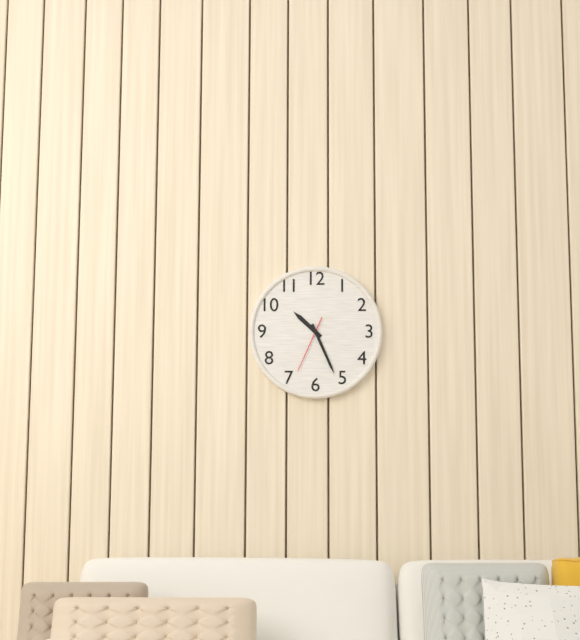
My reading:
10 h 26 min 34 s
